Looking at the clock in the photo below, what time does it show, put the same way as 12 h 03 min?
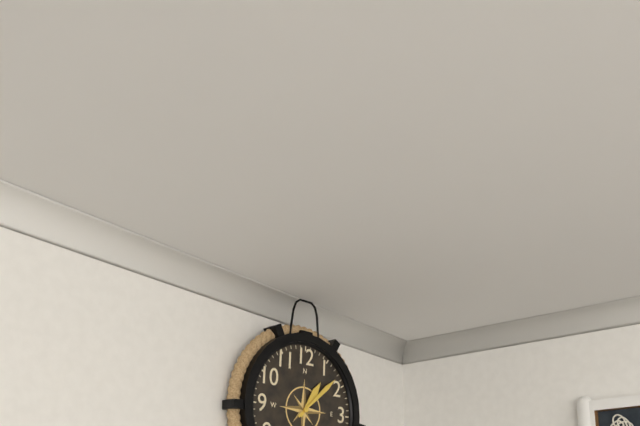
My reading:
1 h 08 min
